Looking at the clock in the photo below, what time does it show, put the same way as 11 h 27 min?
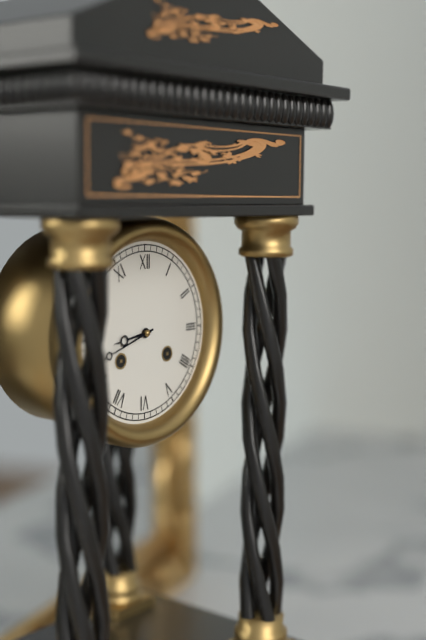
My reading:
8 h 42 min
